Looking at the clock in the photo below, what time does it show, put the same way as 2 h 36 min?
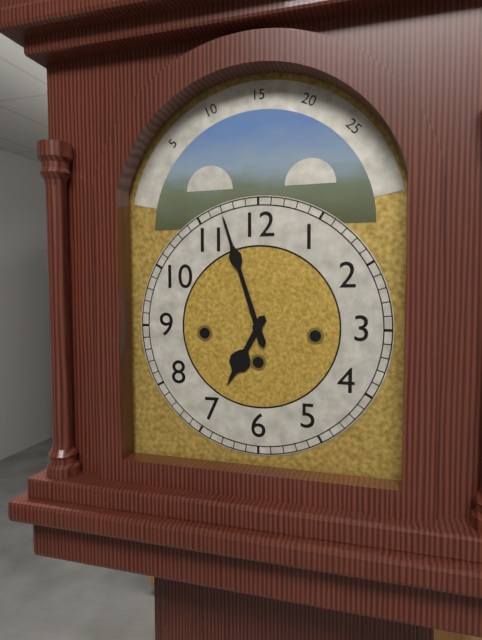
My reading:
6 h 57 min
